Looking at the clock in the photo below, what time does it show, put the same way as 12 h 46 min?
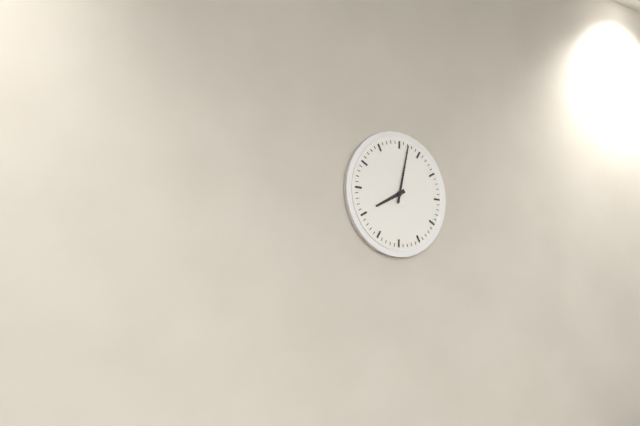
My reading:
8 h 02 min
